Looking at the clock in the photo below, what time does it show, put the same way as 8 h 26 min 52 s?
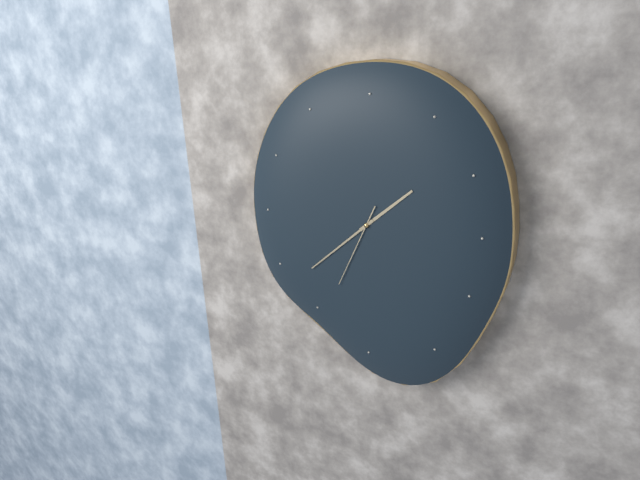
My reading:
1 h 38 min 34 s
